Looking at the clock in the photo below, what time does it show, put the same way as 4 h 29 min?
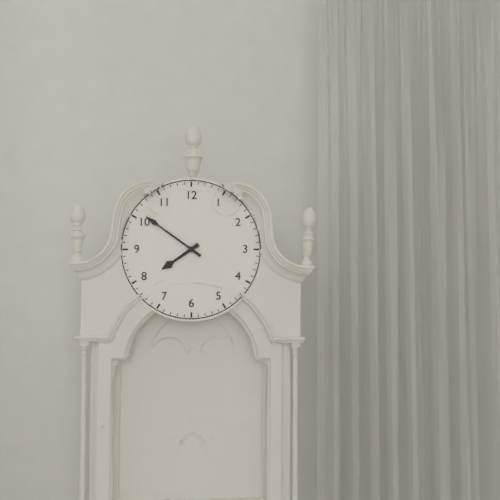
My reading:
7 h 51 min
